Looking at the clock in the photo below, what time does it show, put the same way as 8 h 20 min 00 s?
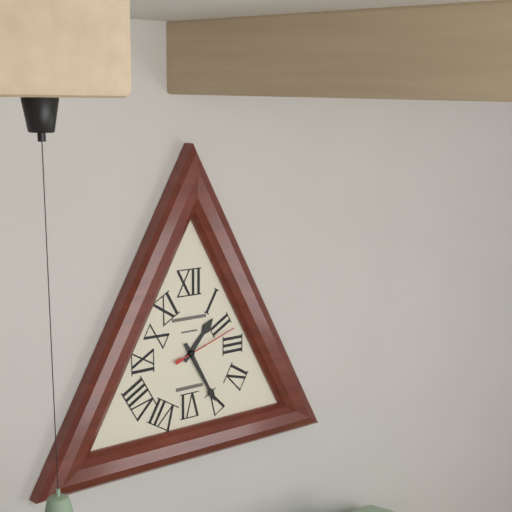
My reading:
1 h 25 min 12 s
